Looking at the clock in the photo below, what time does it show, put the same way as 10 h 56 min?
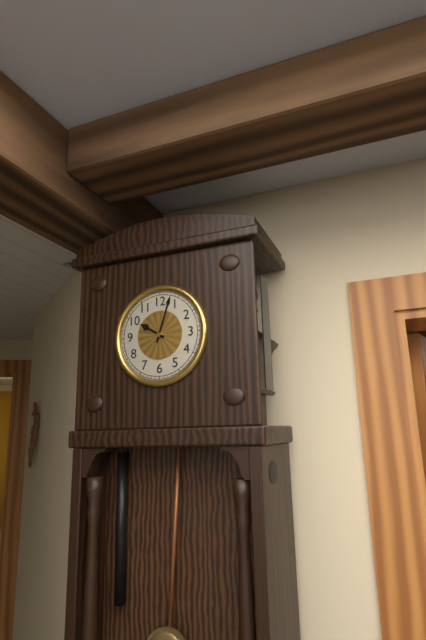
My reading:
10 h 03 min
